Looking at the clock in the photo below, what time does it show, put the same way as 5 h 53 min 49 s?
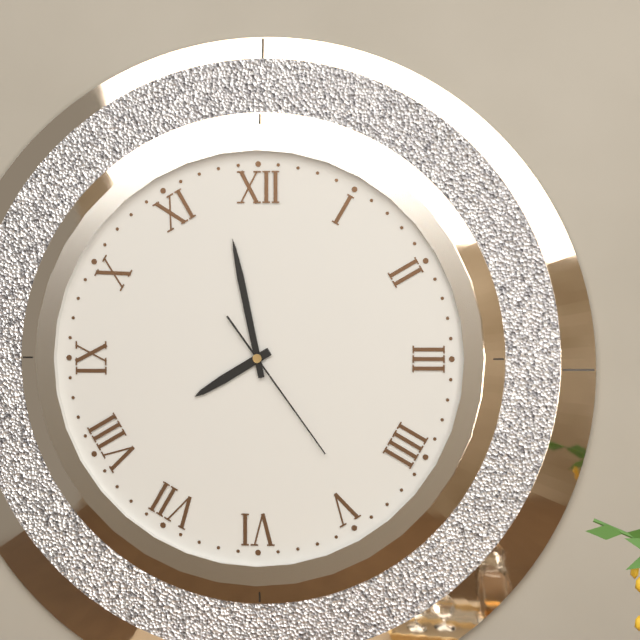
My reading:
7 h 58 min 24 s
